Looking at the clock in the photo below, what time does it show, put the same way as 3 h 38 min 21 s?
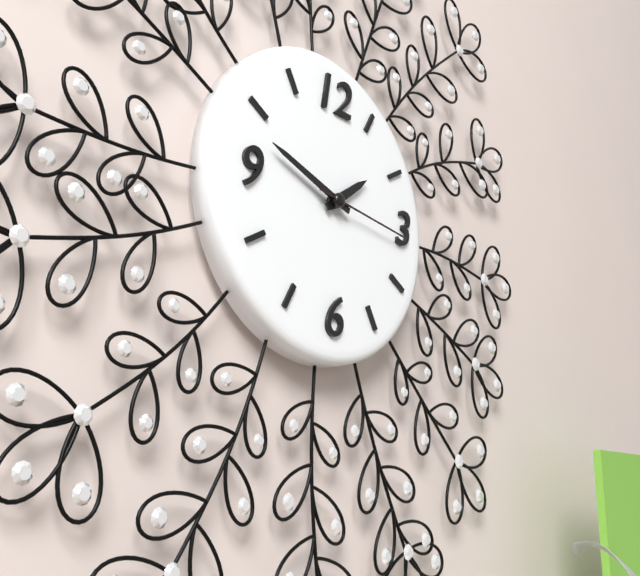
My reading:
1 h 48 min 16 s
